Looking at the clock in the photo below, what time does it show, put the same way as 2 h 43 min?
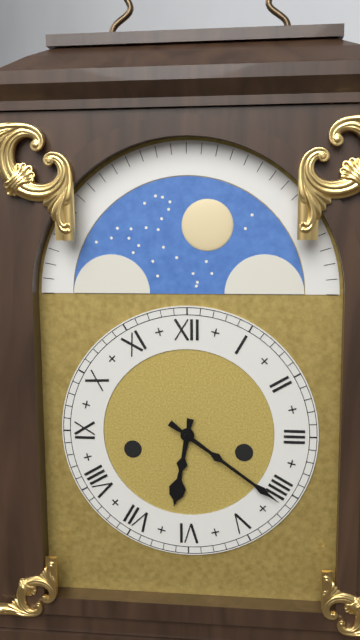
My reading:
6 h 21 min
